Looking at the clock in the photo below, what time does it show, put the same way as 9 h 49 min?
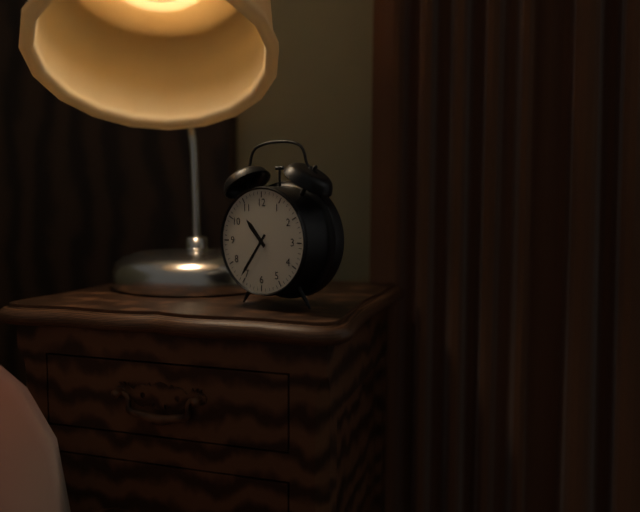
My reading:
10 h 36 min
